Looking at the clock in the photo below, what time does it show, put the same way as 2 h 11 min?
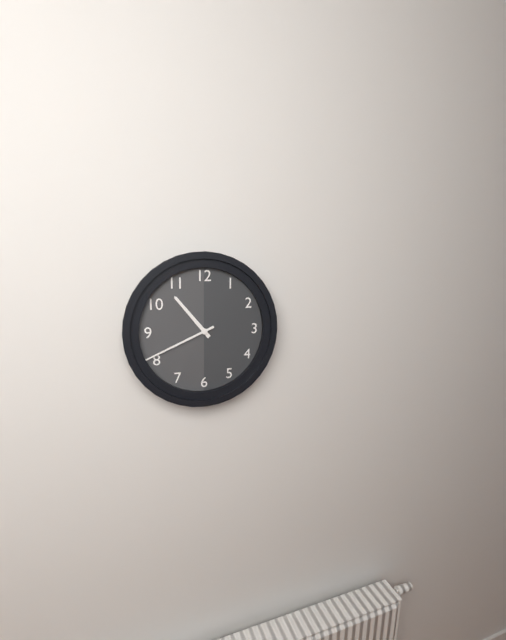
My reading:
10 h 41 min
